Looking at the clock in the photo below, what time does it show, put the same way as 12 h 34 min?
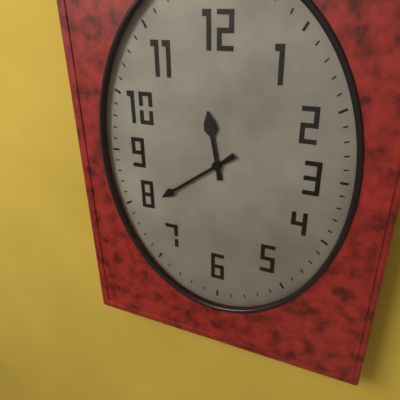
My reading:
11 h 39 min
